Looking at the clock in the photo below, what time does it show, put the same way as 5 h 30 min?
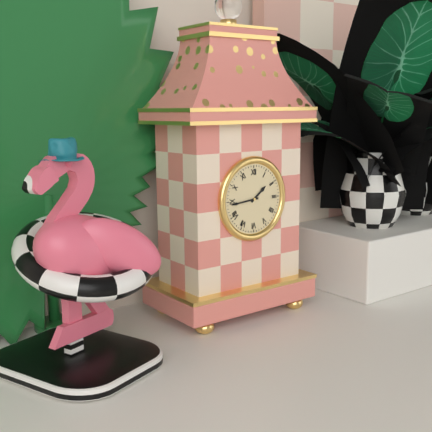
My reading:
1 h 44 min
